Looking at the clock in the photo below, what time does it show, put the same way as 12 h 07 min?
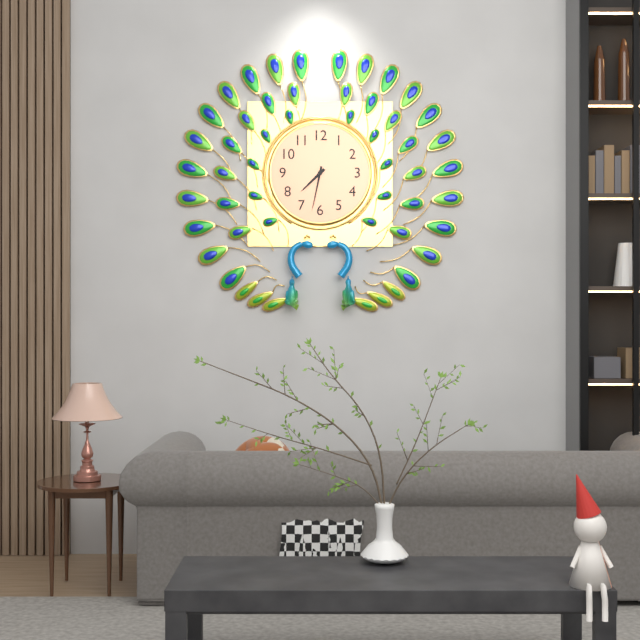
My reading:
7 h 32 min
